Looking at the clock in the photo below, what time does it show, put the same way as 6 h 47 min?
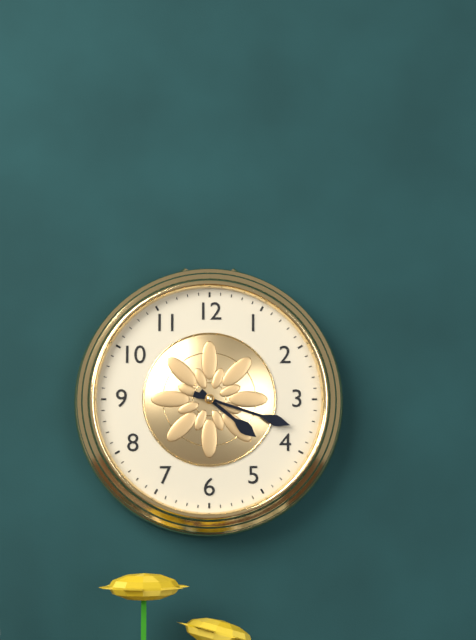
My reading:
4 h 18 min
